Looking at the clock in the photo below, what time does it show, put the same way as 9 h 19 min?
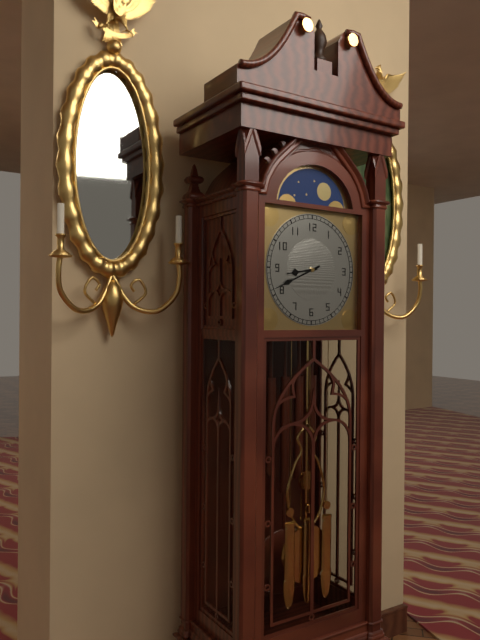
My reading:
8 h 41 min
